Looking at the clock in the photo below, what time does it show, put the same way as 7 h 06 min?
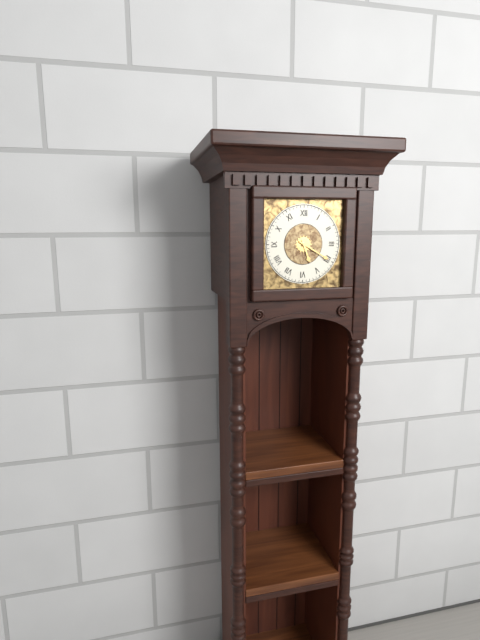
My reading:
5 h 20 min
